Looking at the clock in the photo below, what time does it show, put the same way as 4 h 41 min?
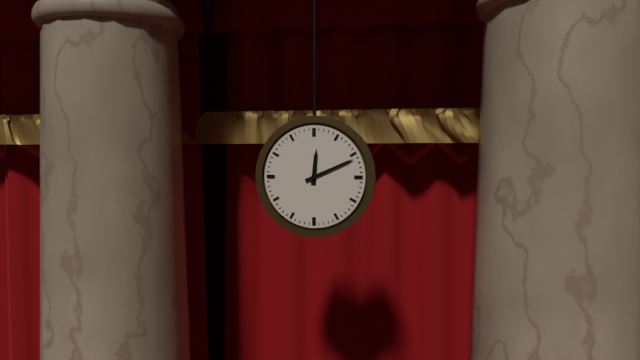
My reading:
12 h 11 min
